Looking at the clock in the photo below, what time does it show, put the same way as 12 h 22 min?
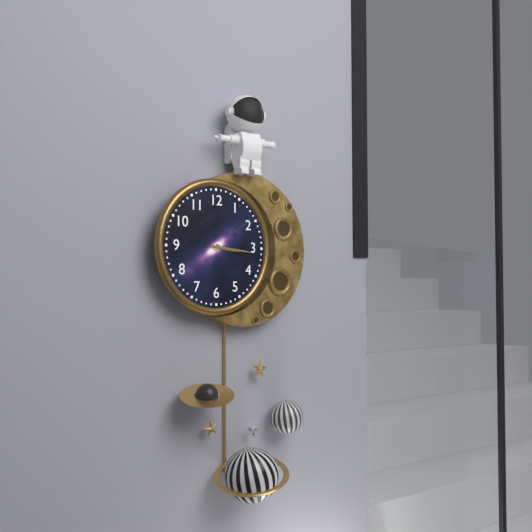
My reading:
3 h 16 min
